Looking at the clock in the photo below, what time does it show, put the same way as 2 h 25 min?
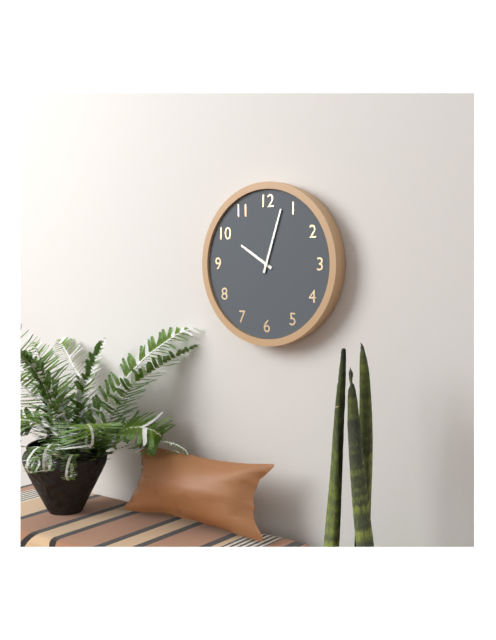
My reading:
10 h 03 min
